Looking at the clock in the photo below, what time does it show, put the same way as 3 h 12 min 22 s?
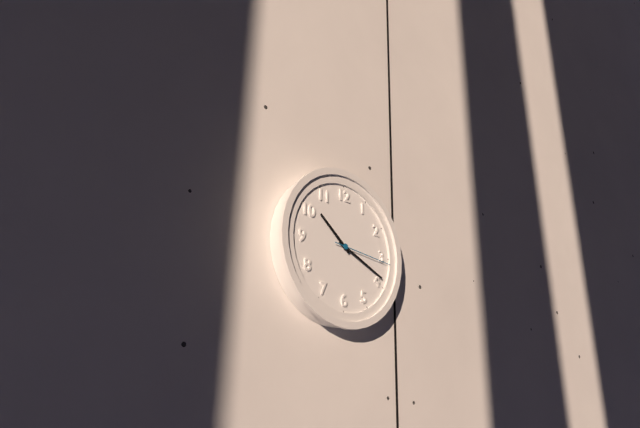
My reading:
10 h 19 min 16 s
